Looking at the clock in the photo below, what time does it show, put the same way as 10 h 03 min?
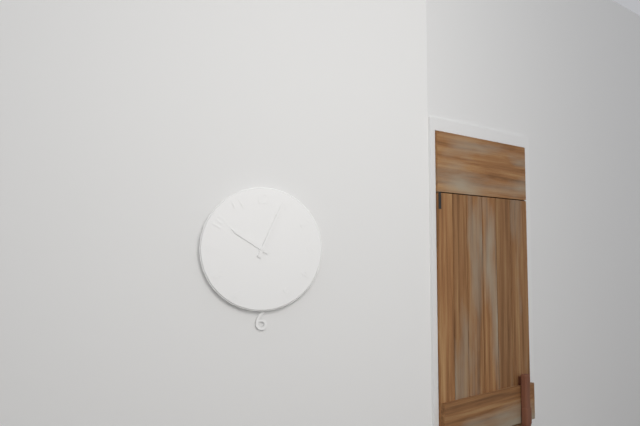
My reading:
10 h 04 min
